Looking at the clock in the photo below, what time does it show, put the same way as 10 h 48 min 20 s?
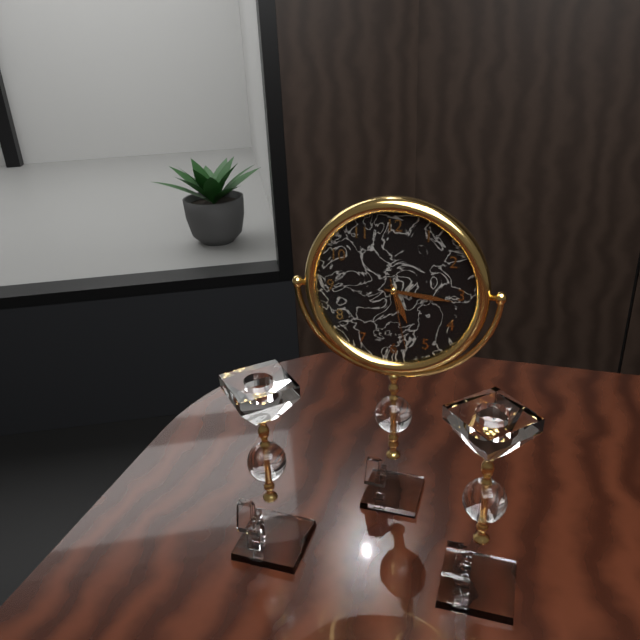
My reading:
5 h 16 min 28 s
